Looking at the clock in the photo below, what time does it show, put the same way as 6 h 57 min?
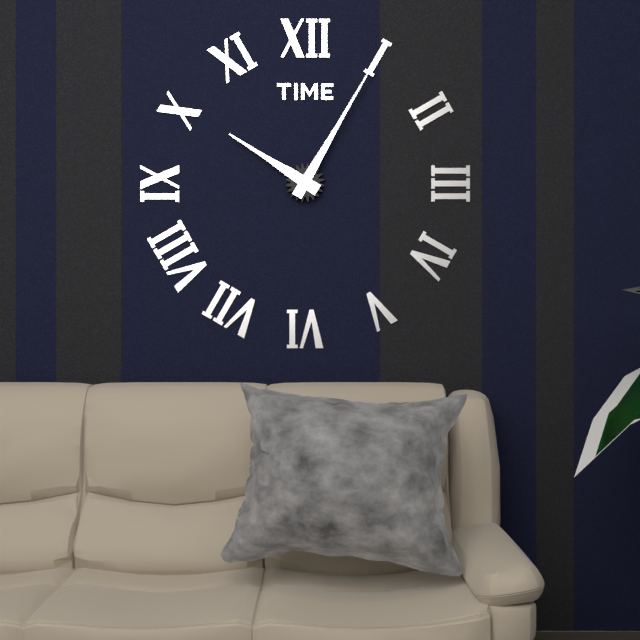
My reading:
10 h 05 min
